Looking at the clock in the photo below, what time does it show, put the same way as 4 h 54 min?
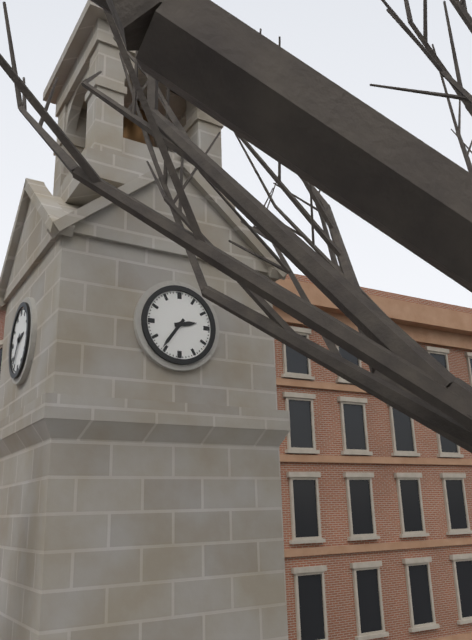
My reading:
2 h 36 min
